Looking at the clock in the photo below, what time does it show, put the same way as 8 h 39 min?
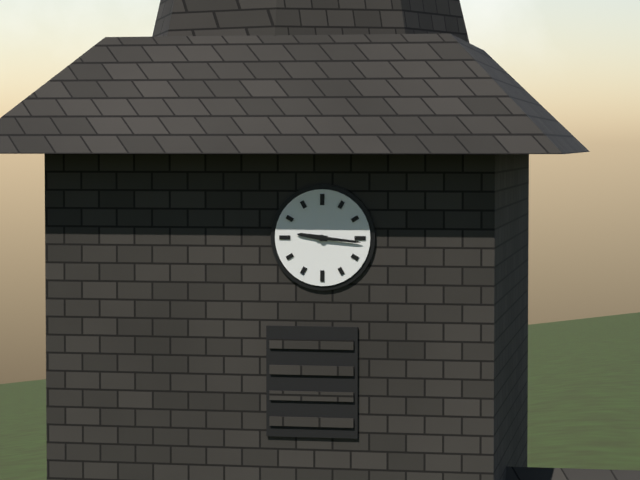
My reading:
9 h 16 min
